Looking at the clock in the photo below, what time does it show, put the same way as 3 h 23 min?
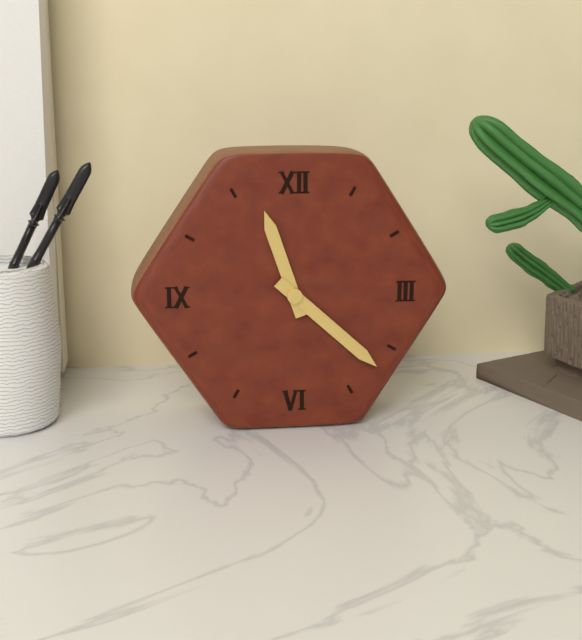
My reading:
11 h 22 min
